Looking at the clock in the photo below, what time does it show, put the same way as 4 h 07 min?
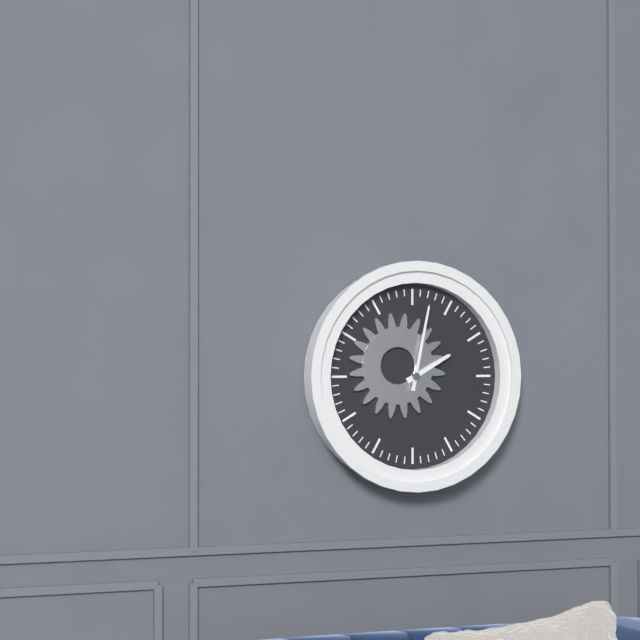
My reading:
2 h 02 min
